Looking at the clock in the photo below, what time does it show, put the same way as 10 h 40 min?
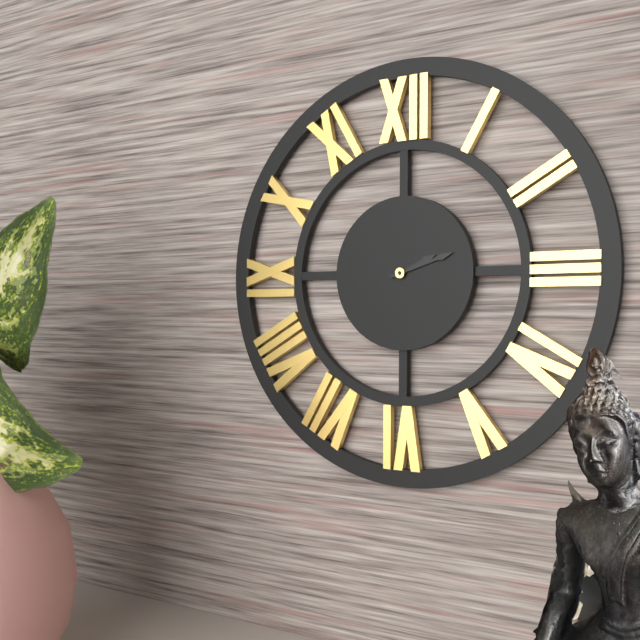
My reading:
2 h 12 min
